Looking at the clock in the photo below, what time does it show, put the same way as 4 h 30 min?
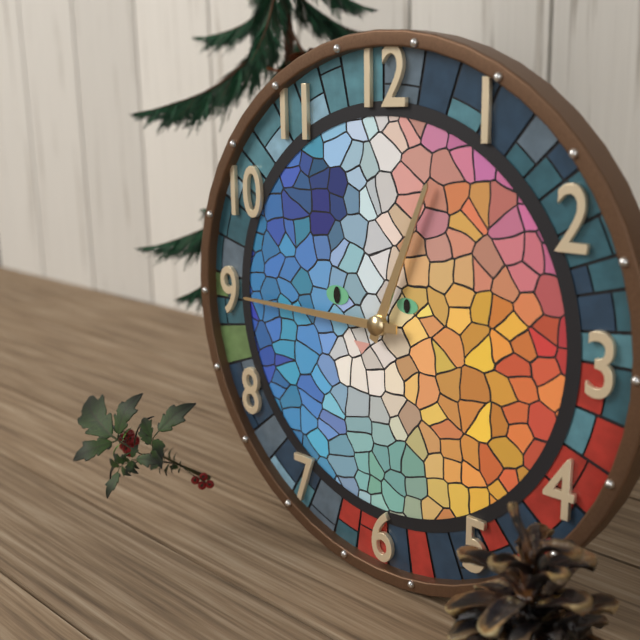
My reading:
12 h 45 min
